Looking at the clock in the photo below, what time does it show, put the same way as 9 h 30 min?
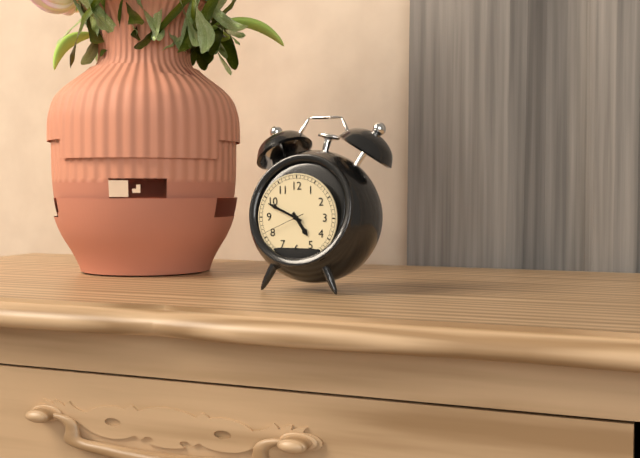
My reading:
4 h 49 min
